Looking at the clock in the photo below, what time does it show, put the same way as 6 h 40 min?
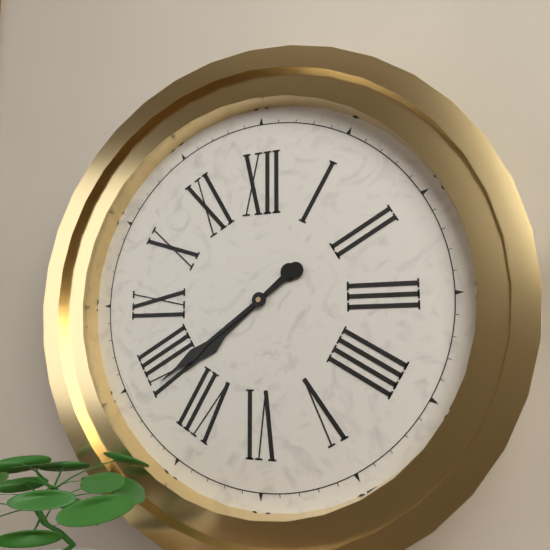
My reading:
7 h 39 min
